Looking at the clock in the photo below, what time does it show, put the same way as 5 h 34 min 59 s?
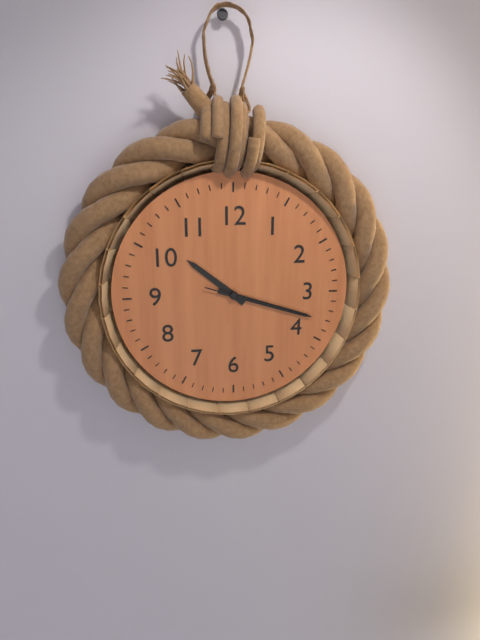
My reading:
10 h 18 min 18 s
